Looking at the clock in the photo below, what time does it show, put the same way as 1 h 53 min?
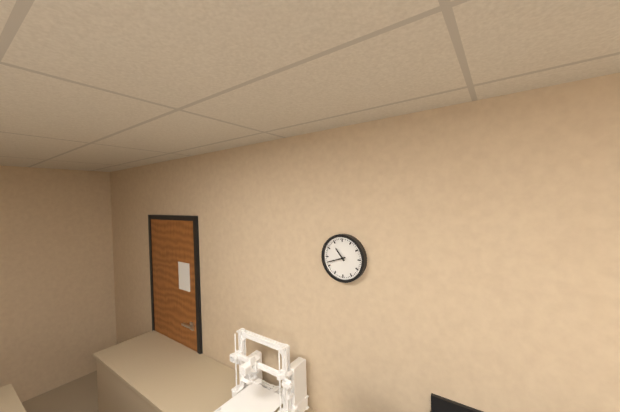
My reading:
10 h 42 min
